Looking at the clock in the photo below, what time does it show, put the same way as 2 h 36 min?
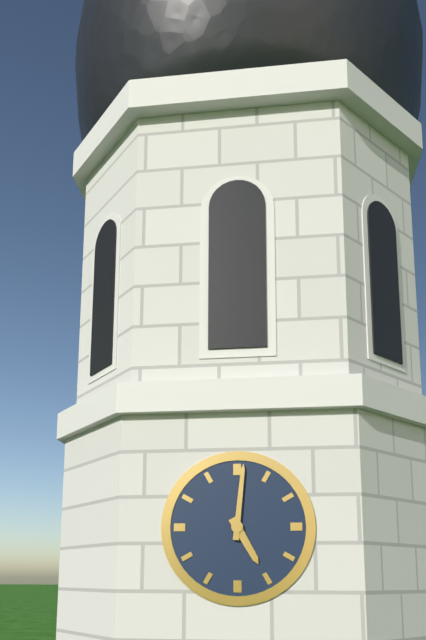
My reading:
5 h 01 min
